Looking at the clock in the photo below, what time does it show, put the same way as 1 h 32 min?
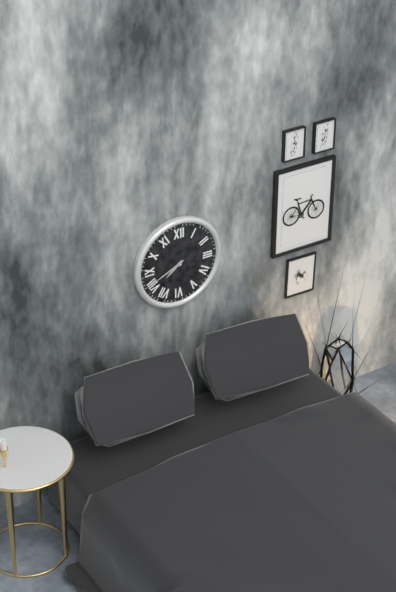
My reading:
7 h 41 min
